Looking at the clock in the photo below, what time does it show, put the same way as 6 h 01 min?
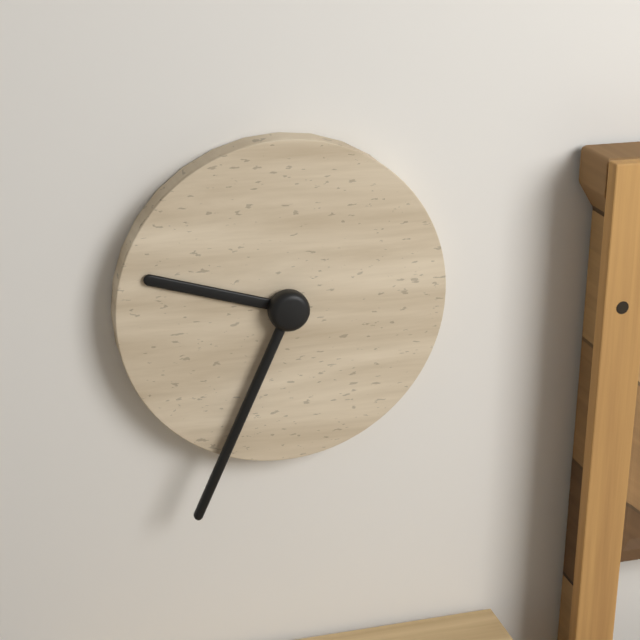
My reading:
9 h 34 min
